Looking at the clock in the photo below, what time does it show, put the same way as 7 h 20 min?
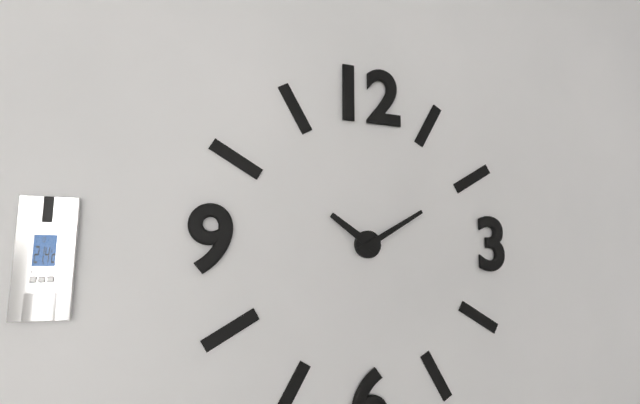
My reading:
10 h 10 min
